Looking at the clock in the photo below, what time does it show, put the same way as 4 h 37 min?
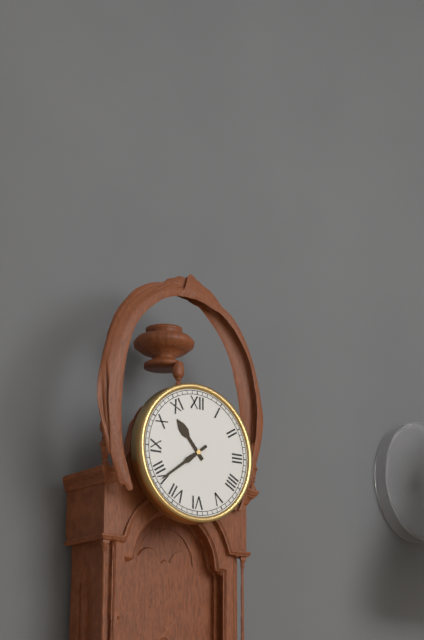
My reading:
10 h 39 min
